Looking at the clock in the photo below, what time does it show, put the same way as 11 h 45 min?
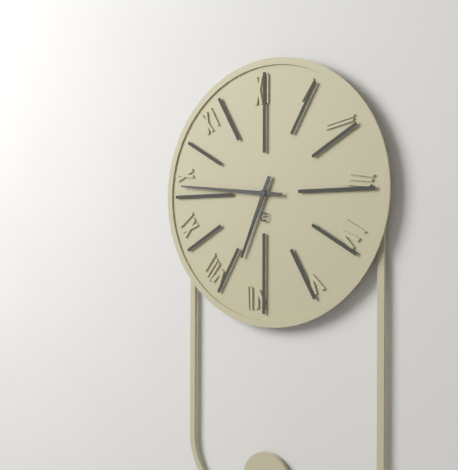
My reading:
6 h 46 min
